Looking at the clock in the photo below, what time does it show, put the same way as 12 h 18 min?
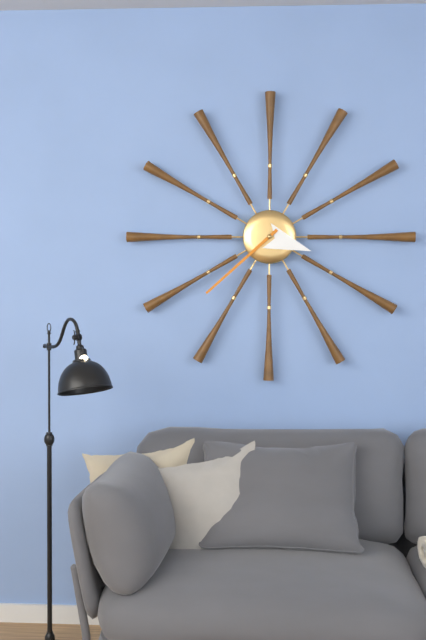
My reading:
3 h 38 min
